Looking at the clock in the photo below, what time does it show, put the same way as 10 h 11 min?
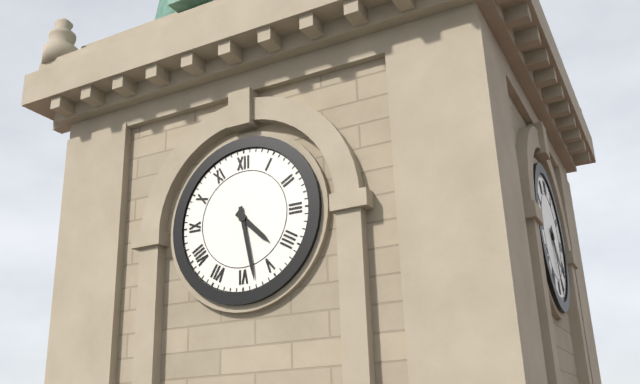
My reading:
4 h 28 min
